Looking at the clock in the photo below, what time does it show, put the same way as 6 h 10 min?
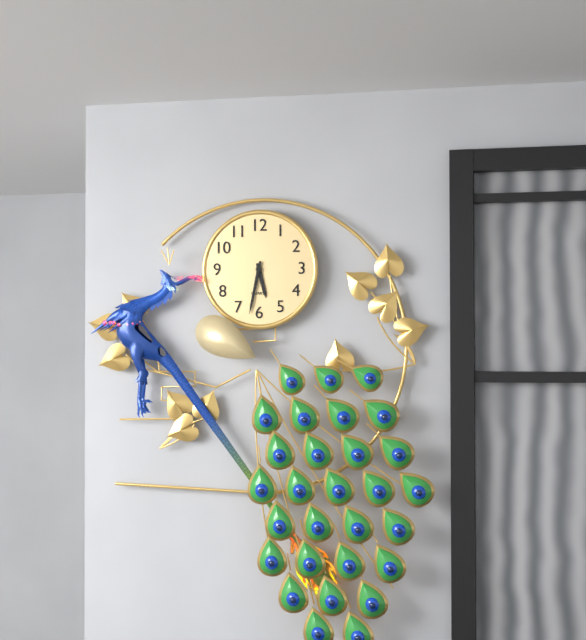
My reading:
5 h 32 min
